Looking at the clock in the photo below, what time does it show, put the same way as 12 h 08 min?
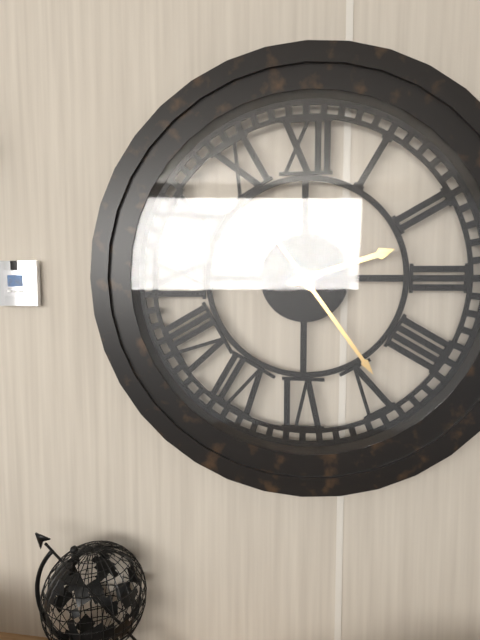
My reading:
2 h 24 min
